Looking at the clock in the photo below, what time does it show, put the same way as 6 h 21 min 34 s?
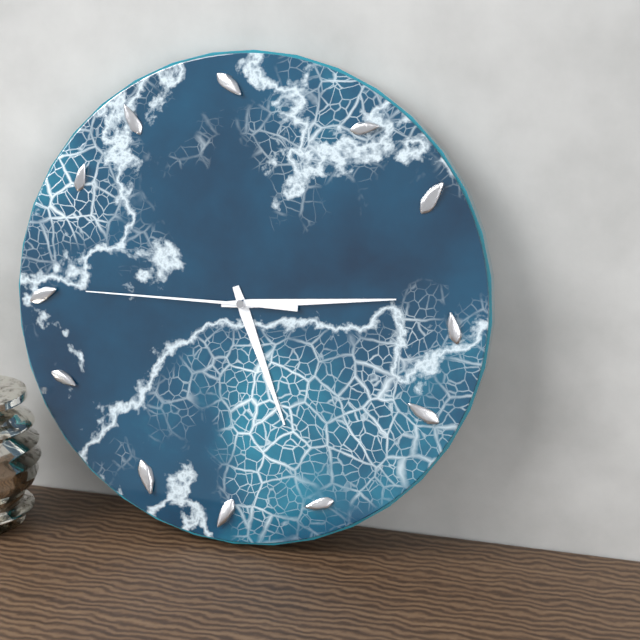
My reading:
5 h 14 min 45 s
